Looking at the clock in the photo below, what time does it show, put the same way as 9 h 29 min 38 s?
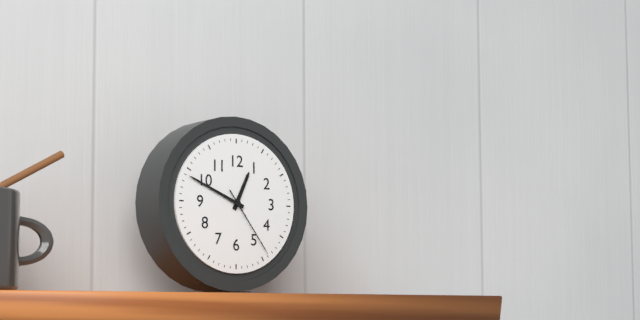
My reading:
12 h 49 min 24 s
